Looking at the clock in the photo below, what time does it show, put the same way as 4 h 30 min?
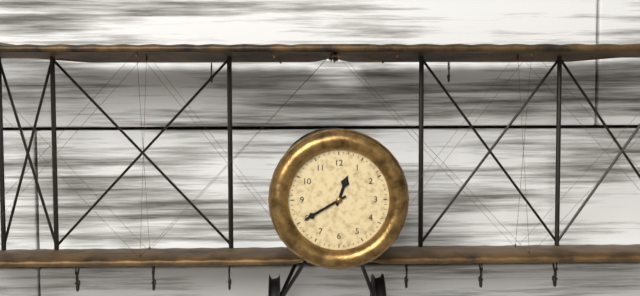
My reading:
12 h 40 min
